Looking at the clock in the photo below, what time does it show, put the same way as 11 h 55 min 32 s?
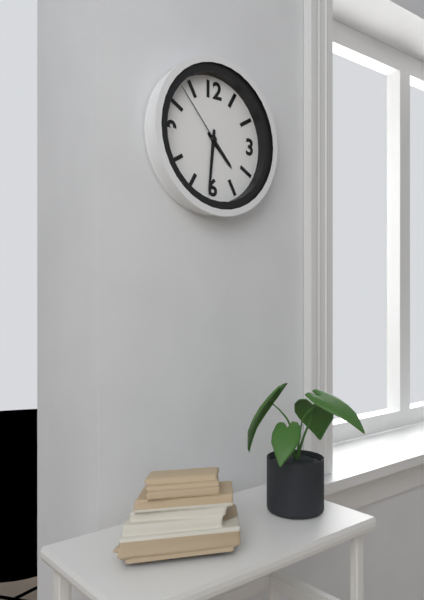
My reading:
4 h 31 min 53 s
